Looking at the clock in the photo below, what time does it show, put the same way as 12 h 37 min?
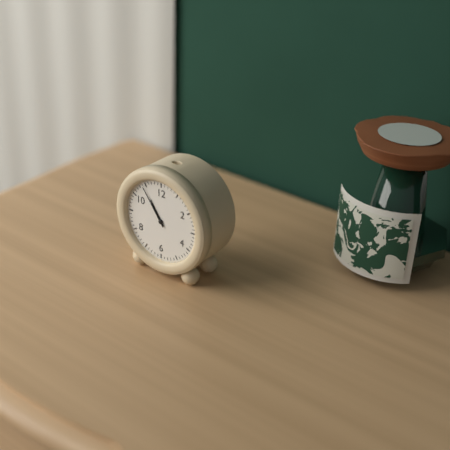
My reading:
10 h 54 min
